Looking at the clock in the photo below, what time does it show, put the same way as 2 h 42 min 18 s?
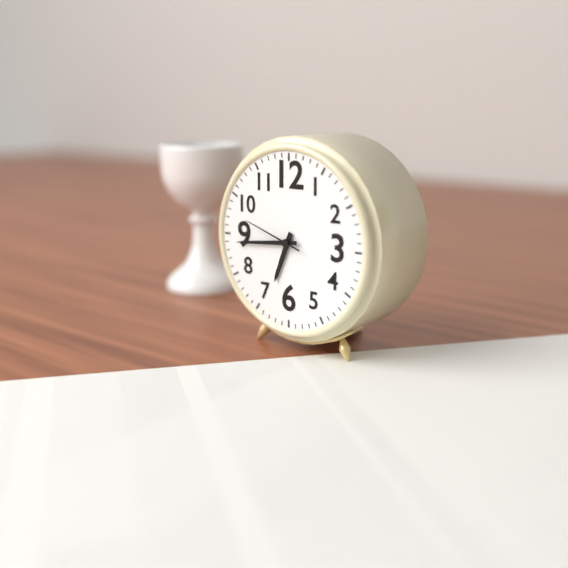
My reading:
6 h 44 min 48 s
